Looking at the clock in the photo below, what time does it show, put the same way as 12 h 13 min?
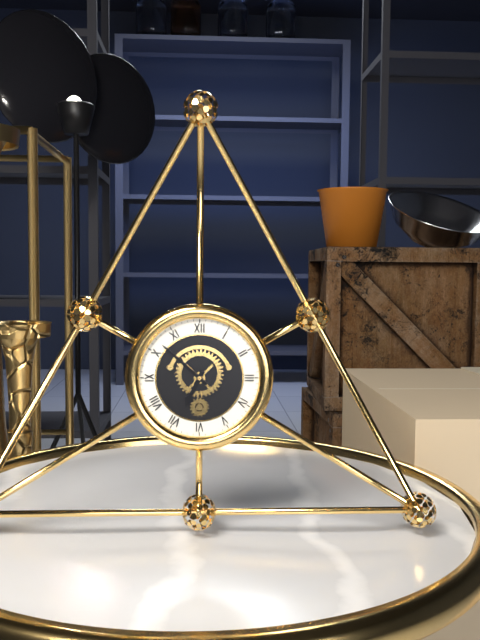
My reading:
6 h 52 min
